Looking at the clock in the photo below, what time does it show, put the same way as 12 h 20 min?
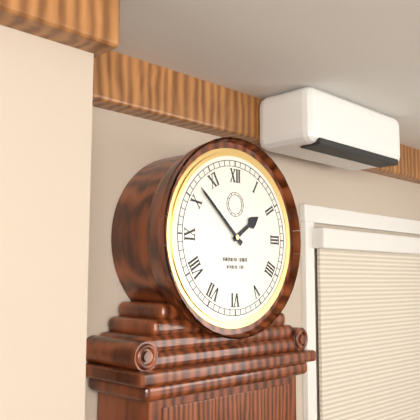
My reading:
1 h 52 min
